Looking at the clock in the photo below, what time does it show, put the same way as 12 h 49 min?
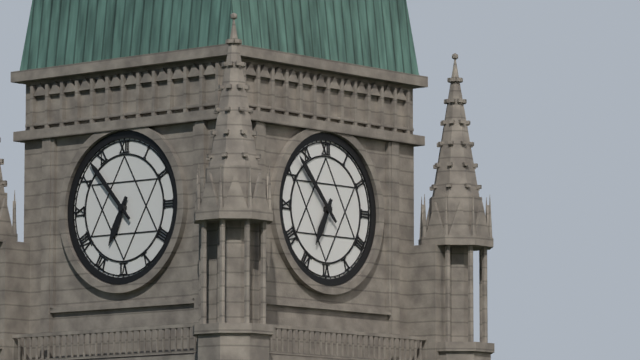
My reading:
6 h 53 min
